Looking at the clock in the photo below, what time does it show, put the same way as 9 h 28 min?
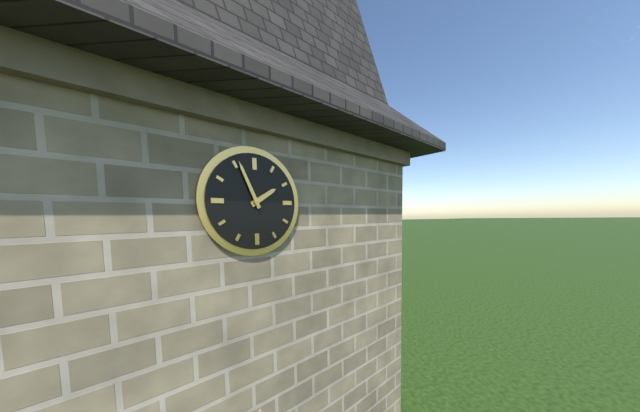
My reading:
1 h 56 min
